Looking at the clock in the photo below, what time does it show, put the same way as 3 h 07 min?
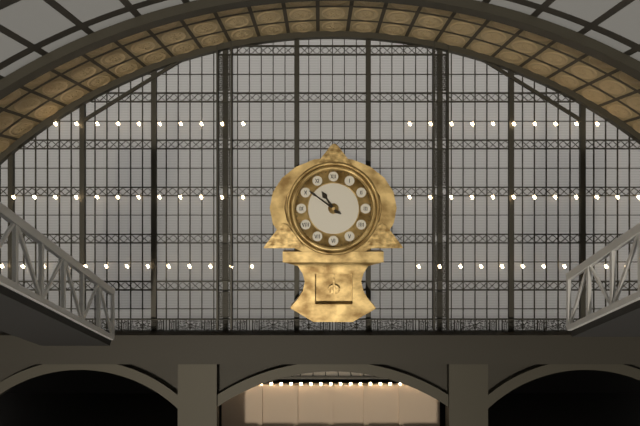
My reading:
10 h 51 min
